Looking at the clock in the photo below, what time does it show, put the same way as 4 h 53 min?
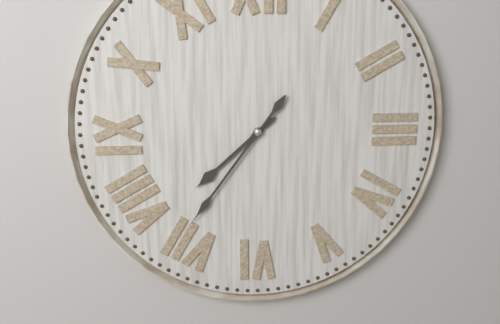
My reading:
7 h 36 min
